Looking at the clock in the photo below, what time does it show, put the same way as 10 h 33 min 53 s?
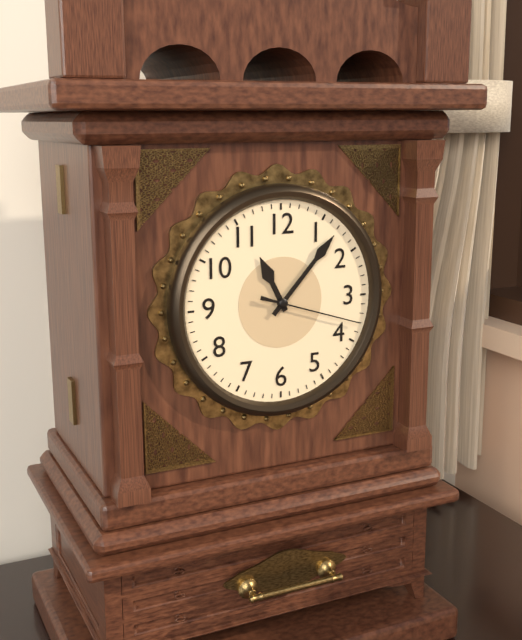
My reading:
11 h 07 min 18 s
